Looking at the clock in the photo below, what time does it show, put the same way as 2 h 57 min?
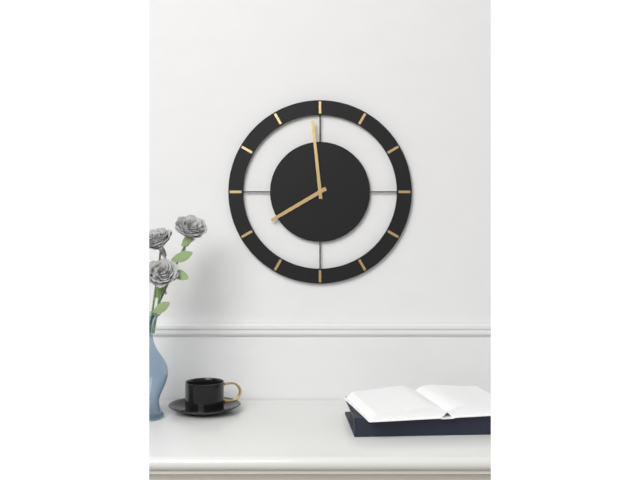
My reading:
7 h 59 min
